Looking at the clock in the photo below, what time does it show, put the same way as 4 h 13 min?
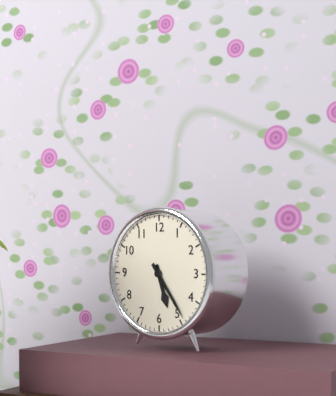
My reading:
5 h 24 min
